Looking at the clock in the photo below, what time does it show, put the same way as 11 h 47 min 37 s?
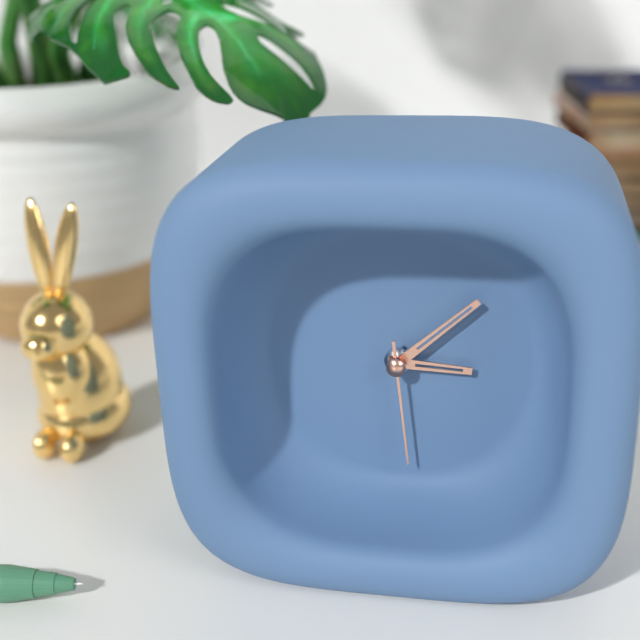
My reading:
3 h 08 min 29 s
